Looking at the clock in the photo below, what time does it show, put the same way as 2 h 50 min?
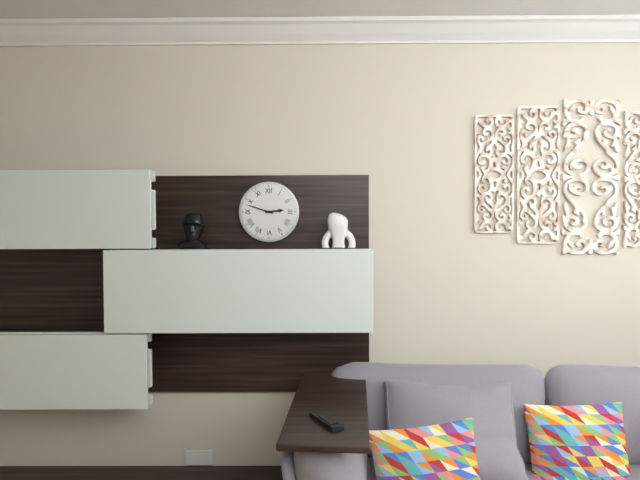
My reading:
2 h 48 min
